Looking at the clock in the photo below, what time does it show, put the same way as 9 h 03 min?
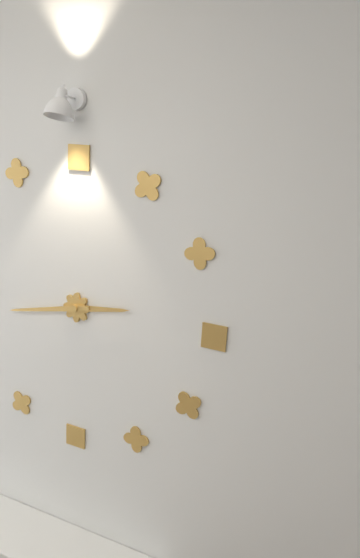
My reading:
2 h 43 min
